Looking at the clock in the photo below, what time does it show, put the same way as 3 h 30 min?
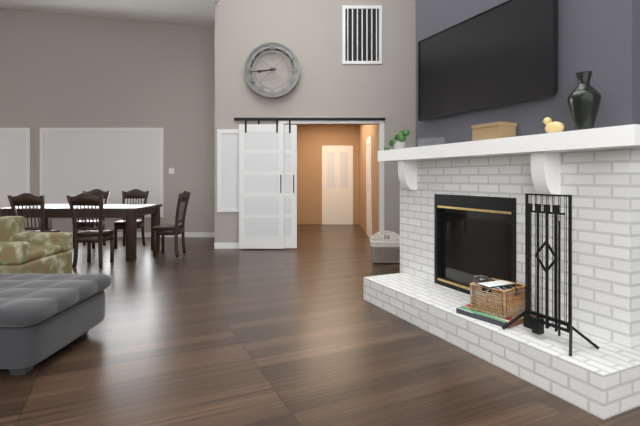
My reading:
8 h 44 min
